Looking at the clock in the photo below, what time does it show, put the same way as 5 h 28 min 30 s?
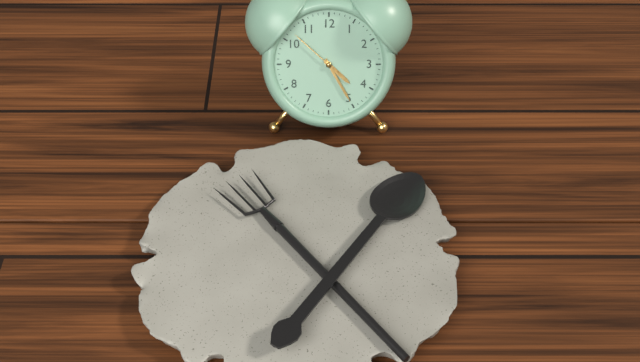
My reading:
4 h 25 min 52 s
